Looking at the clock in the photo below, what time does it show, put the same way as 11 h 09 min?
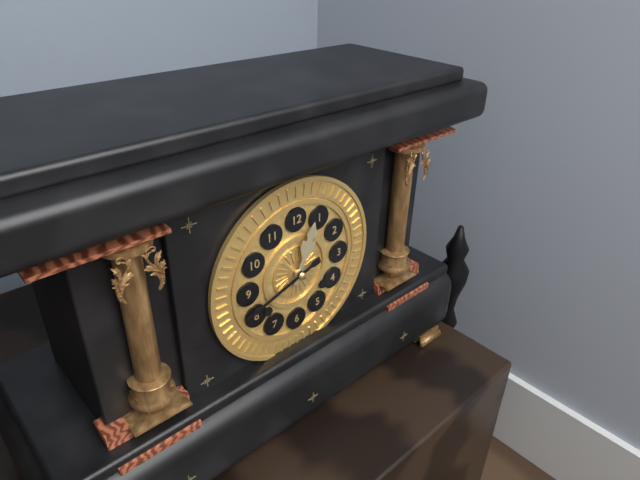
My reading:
12 h 42 min
